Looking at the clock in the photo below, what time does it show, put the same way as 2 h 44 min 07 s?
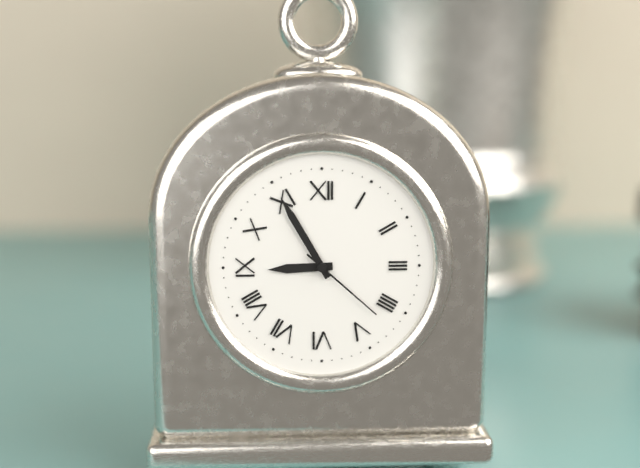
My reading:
8 h 55 min 22 s
